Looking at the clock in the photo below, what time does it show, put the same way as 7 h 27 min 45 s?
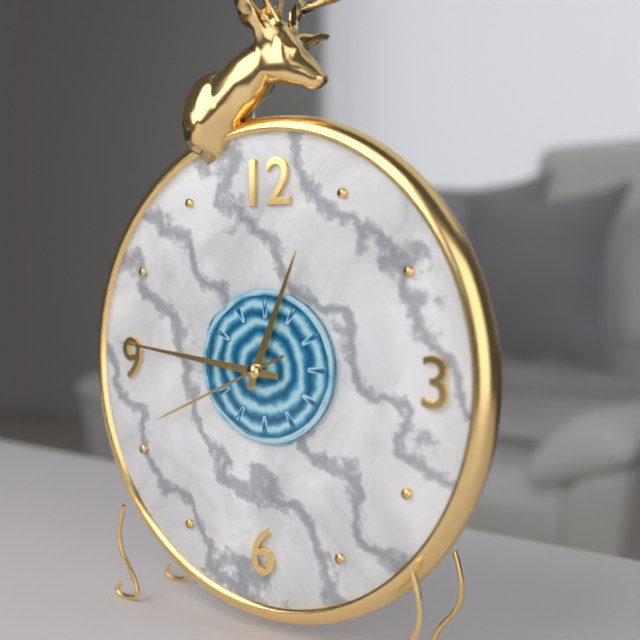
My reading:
12 h 46 min 41 s
